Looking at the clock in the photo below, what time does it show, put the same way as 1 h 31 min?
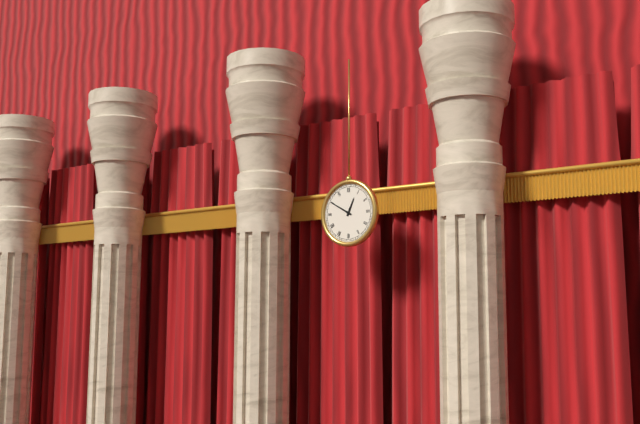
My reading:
12 h 50 min
